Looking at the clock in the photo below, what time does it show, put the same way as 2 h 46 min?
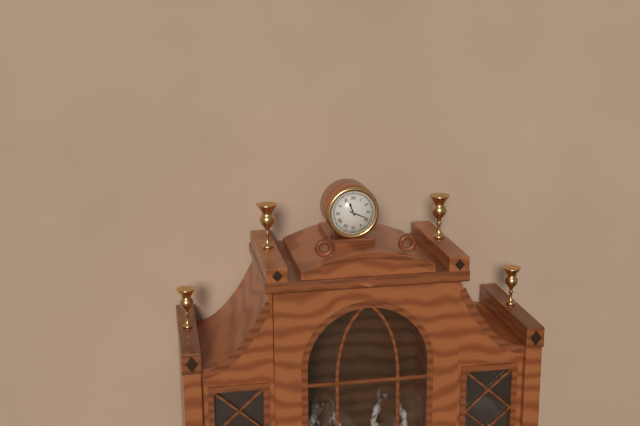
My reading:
11 h 19 min
